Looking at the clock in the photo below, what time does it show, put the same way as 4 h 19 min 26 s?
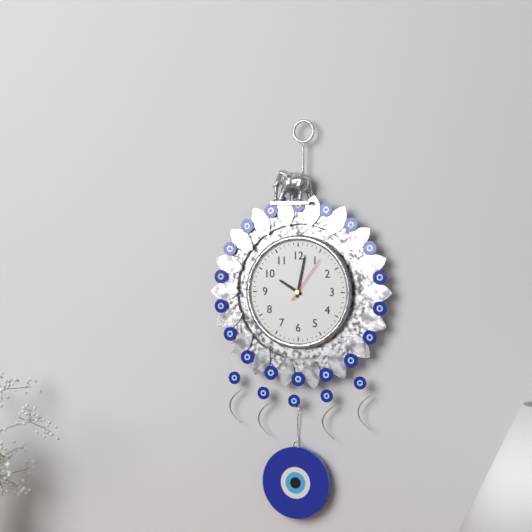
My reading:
10 h 02 min 06 s
